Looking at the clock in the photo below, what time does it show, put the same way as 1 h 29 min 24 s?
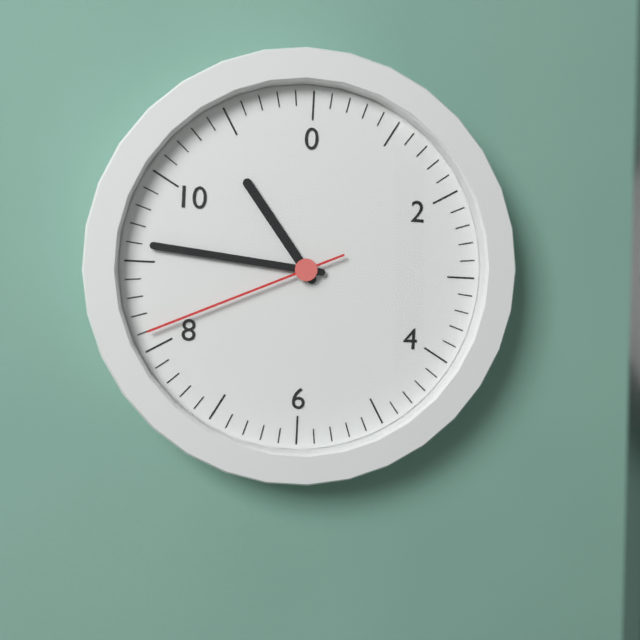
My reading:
10 h 46 min 41 s
